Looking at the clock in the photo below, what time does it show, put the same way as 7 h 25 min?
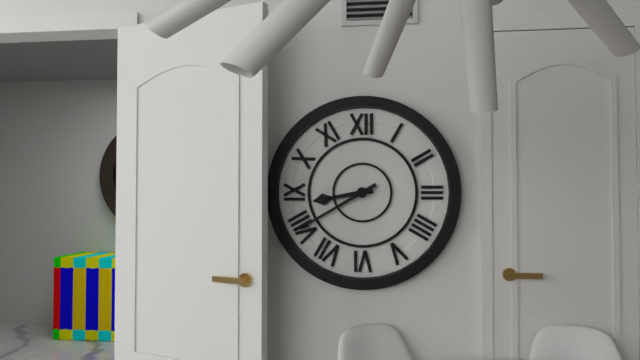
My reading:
8 h 40 min
